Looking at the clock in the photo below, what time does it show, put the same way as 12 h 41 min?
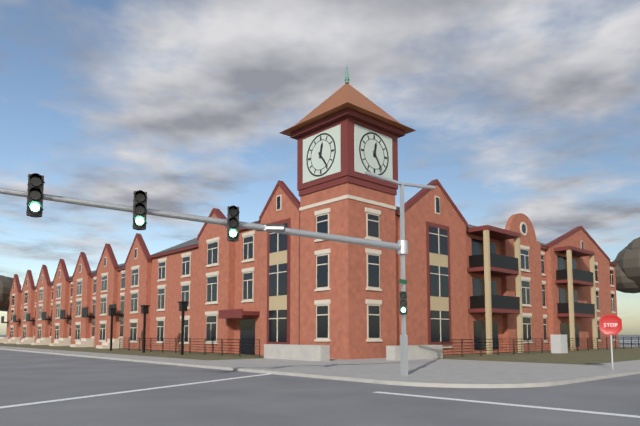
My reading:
12 h 24 min
